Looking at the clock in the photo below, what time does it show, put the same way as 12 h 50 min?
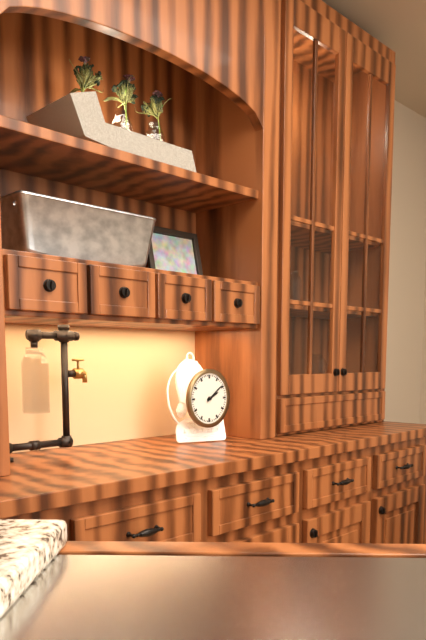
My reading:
2 h 09 min
